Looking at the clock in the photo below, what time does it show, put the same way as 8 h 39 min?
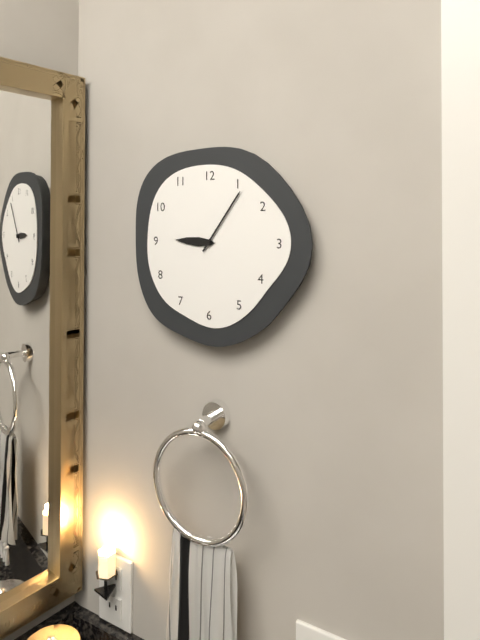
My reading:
9 h 06 min
